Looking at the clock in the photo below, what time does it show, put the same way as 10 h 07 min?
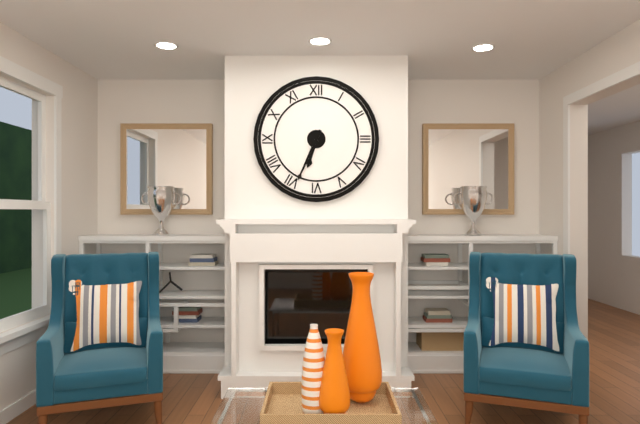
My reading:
6 h 34 min
